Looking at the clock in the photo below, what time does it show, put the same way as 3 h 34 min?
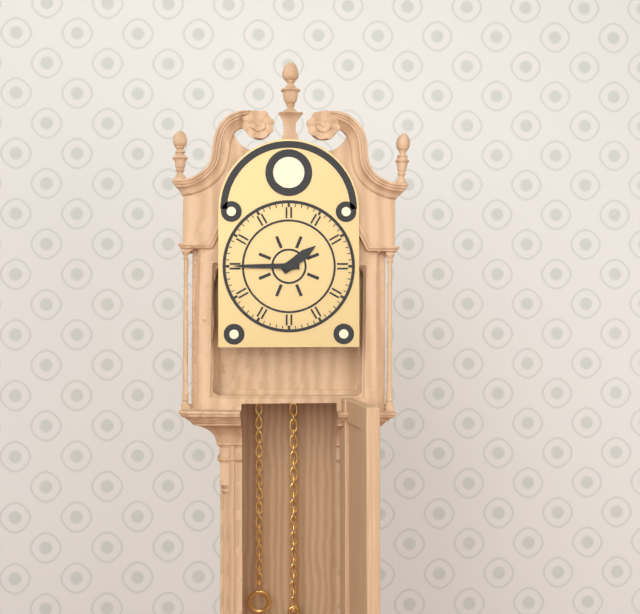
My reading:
1 h 45 min
